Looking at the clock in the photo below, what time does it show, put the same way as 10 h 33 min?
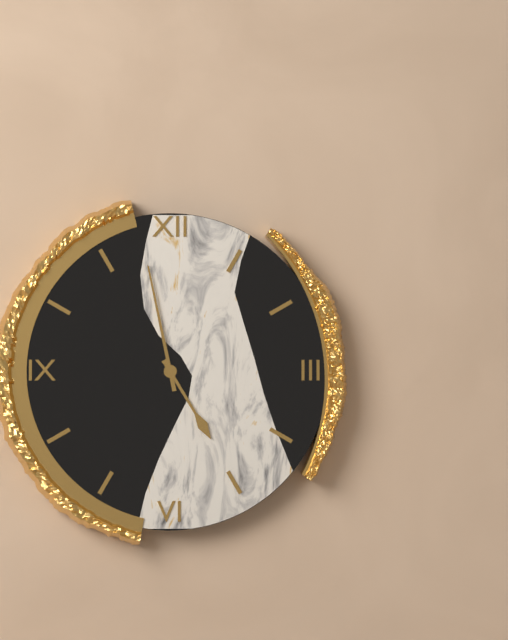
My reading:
4 h 58 min
